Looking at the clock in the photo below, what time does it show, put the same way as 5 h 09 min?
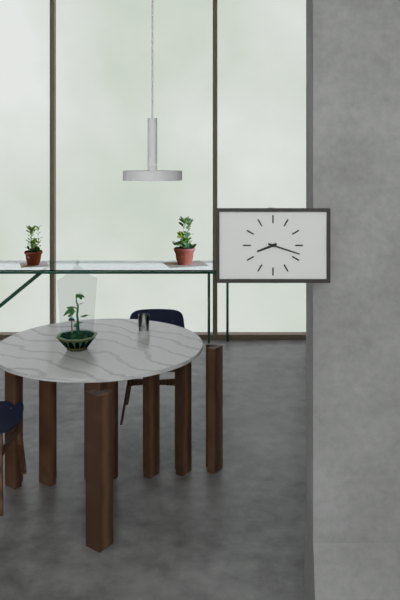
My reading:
8 h 18 min
